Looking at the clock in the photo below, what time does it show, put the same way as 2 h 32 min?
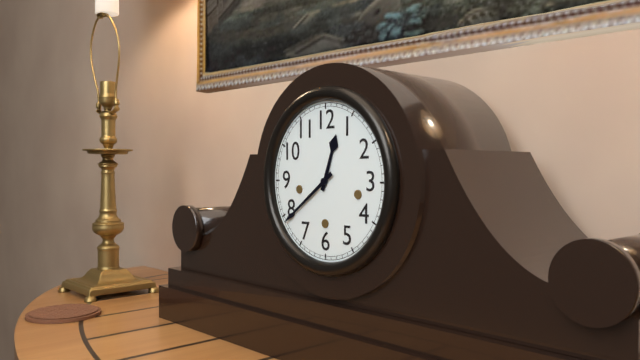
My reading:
12 h 39 min
